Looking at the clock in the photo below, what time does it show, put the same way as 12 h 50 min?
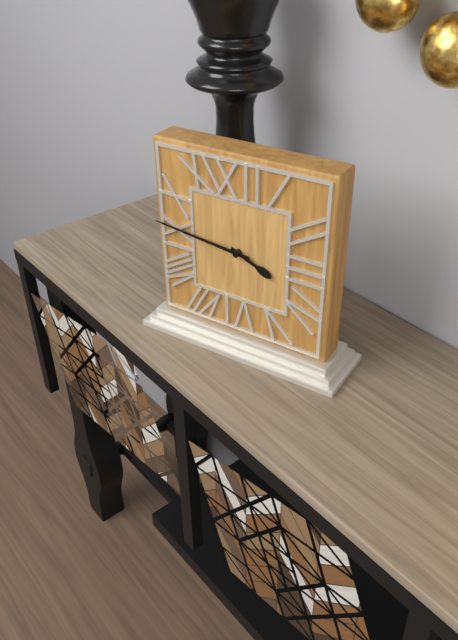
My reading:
3 h 46 min
